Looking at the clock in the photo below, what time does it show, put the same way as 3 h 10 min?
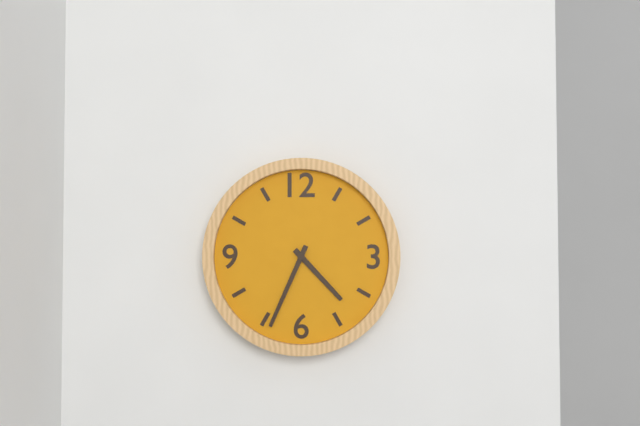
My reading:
4 h 34 min
